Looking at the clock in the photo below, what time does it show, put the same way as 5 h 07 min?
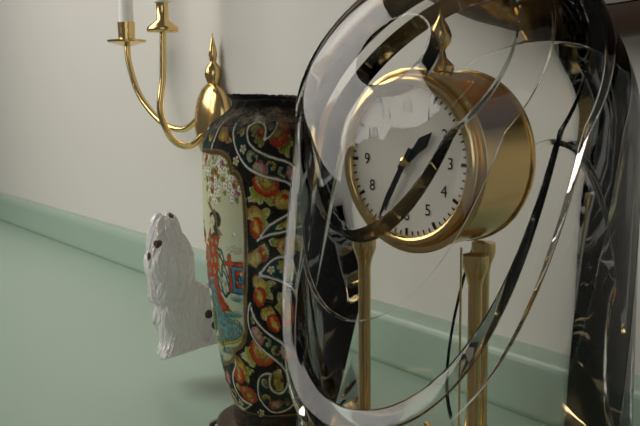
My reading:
1 h 35 min
